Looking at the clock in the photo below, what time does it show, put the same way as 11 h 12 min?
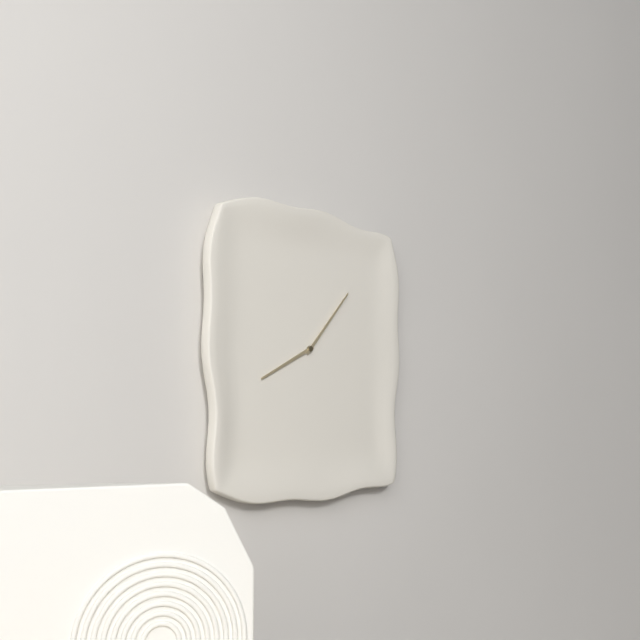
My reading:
8 h 07 min
